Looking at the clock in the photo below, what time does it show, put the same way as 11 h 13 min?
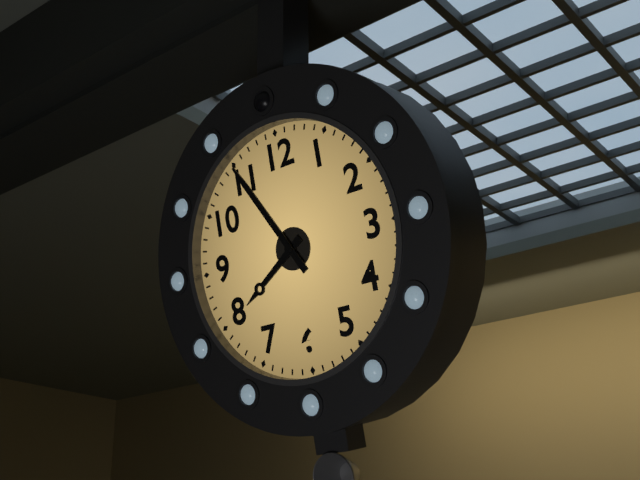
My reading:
7 h 55 min
